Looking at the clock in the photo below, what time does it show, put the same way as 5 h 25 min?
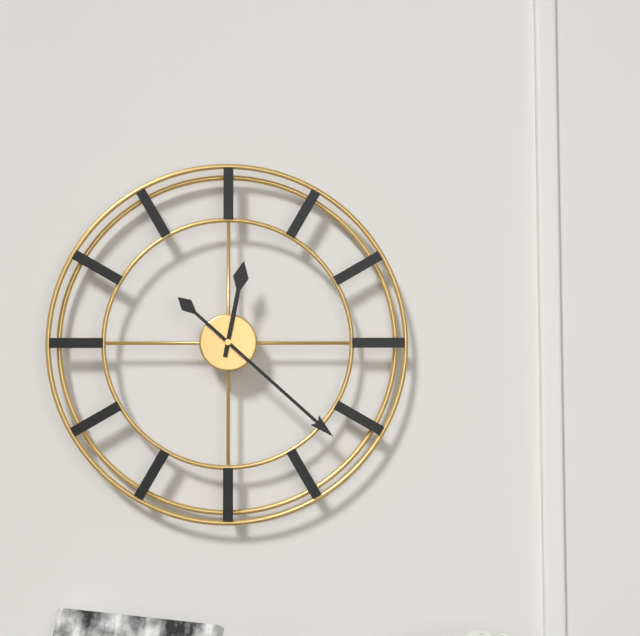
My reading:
12 h 22 min
